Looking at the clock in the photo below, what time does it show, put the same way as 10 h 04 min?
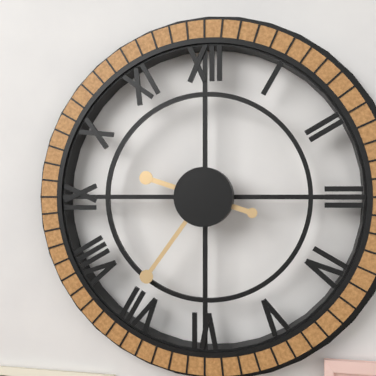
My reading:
9 h 36 min
